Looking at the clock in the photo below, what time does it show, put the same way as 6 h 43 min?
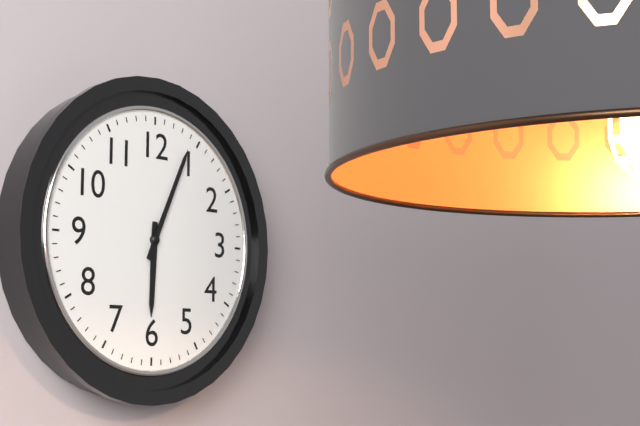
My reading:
6 h 04 min
